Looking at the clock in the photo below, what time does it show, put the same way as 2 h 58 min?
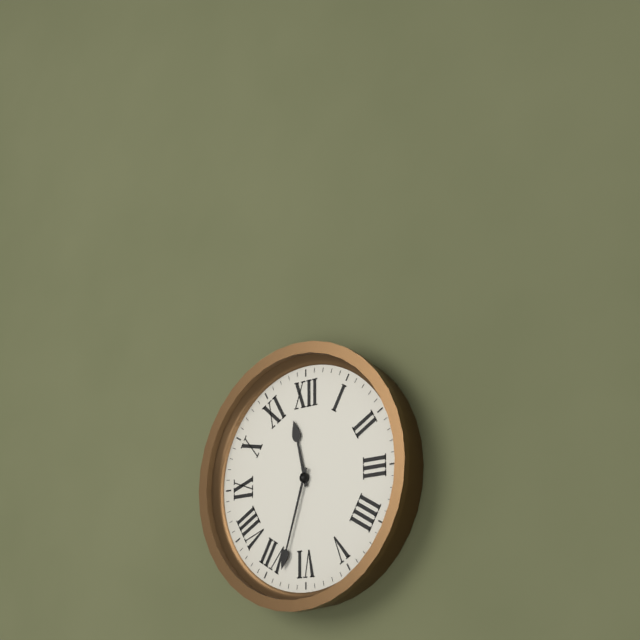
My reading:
11 h 33 min
